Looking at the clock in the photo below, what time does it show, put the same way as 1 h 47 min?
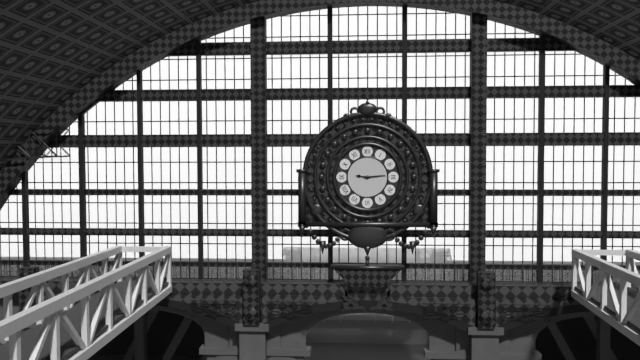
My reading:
9 h 14 min
